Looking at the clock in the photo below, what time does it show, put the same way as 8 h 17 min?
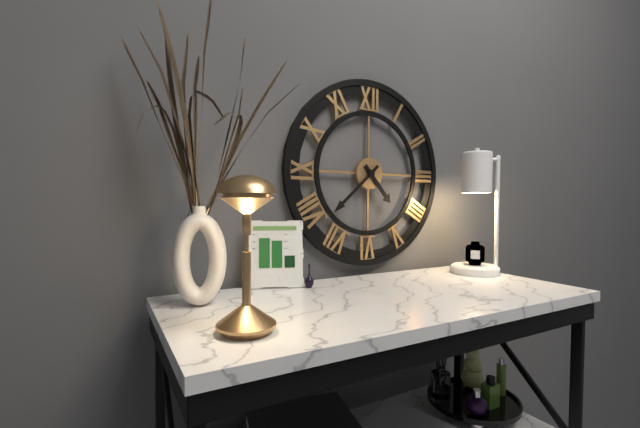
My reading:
4 h 38 min
